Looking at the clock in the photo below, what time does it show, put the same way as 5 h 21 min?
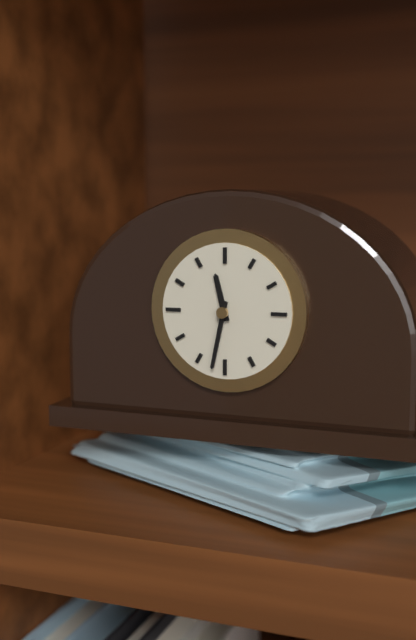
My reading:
11 h 32 min
